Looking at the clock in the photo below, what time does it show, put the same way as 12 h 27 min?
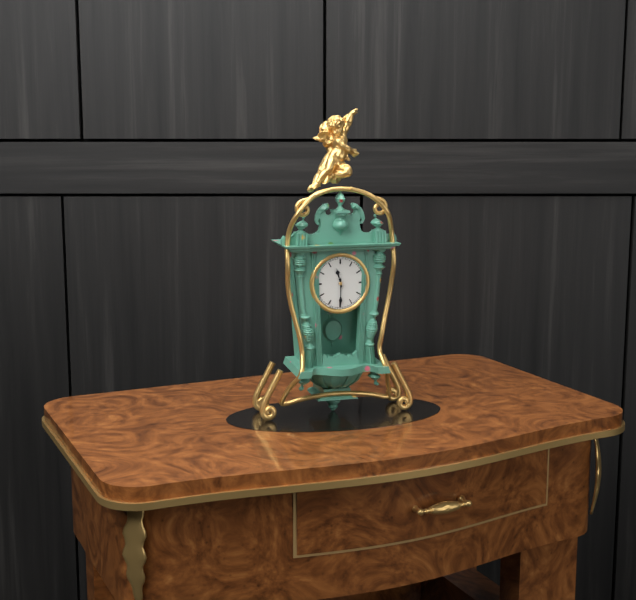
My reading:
11 h 30 min
